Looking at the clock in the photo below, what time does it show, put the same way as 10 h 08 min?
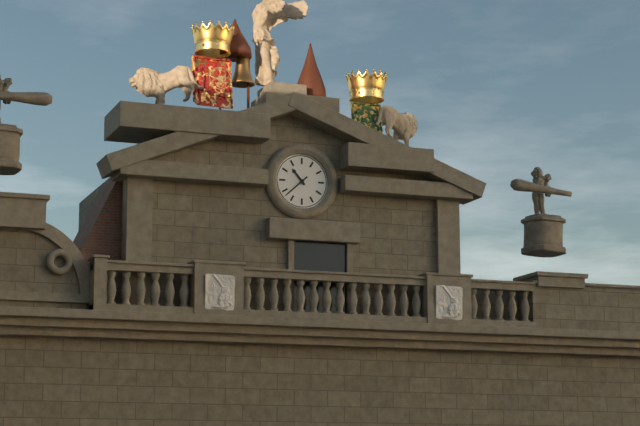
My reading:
10 h 38 min
